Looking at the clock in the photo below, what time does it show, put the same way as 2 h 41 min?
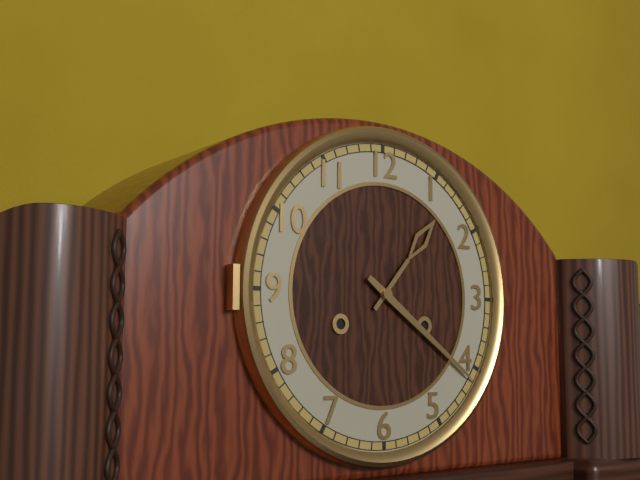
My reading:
1 h 21 min
